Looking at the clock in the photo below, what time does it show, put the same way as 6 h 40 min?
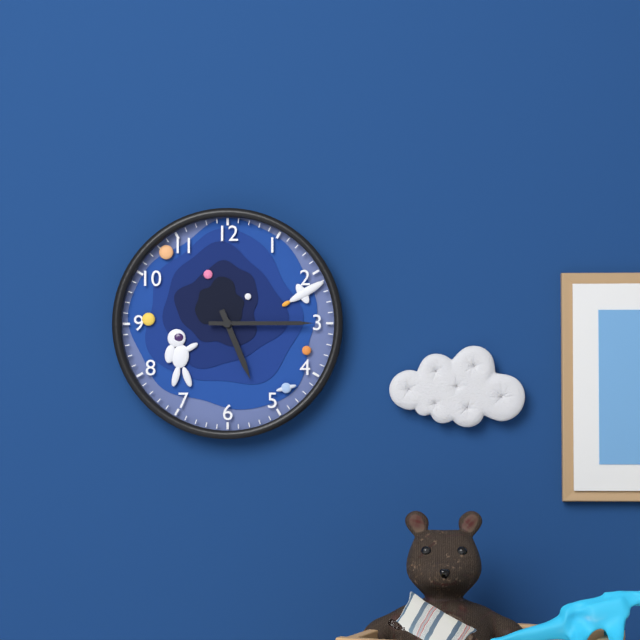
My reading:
5 h 15 min
